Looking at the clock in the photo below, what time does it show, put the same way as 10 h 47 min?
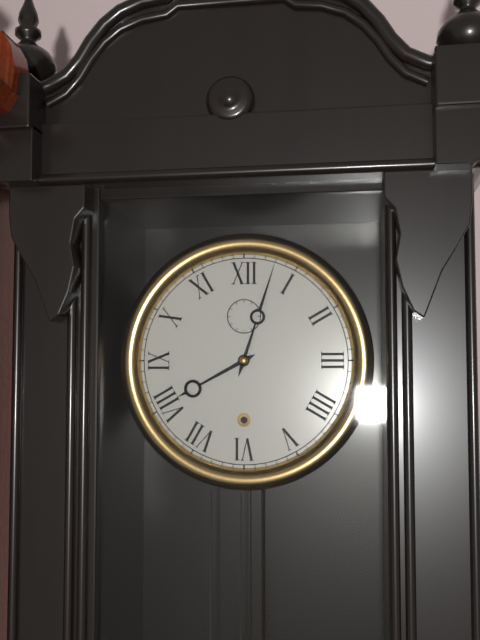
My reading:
8 h 03 min
